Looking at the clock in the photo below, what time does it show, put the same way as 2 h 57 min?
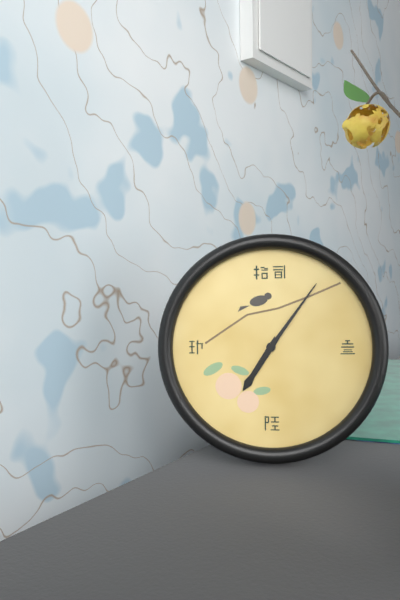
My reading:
7 h 06 min
